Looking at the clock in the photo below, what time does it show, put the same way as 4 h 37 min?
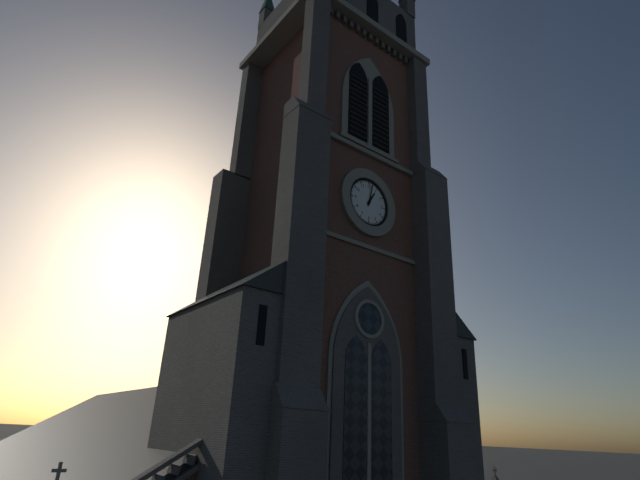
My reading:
1 h 02 min
